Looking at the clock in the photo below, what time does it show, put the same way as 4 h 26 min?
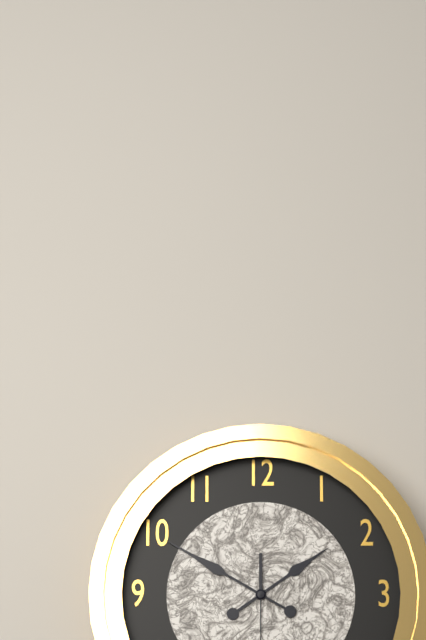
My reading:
1 h 50 min
